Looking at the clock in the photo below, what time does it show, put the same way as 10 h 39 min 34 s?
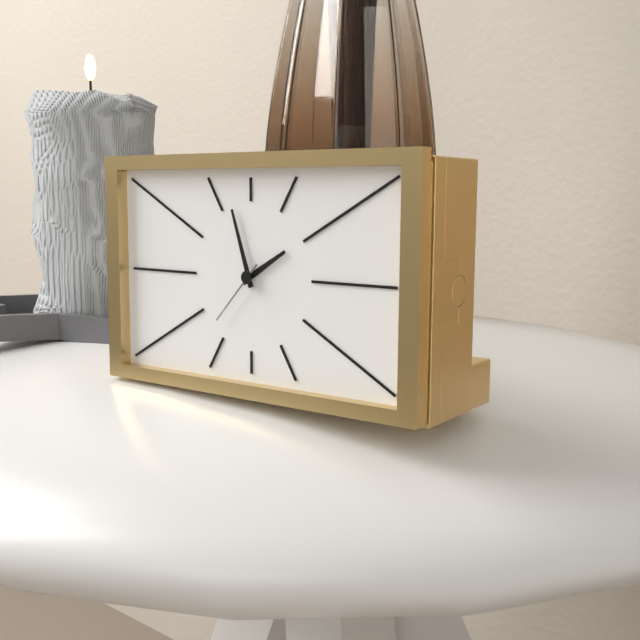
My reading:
1 h 57 min 37 s
